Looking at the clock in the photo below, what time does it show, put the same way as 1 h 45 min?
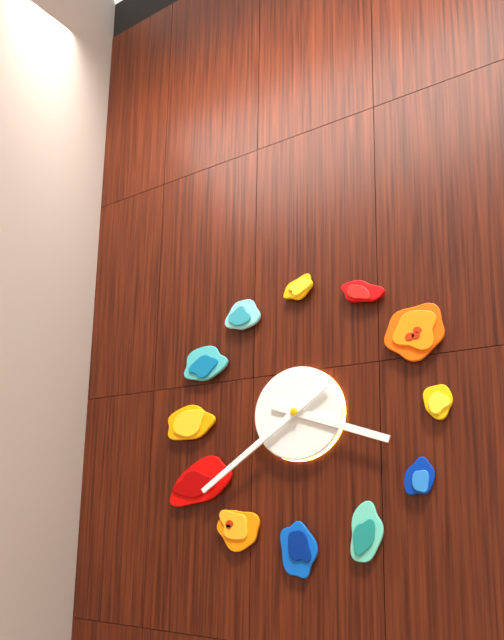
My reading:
3 h 39 min
